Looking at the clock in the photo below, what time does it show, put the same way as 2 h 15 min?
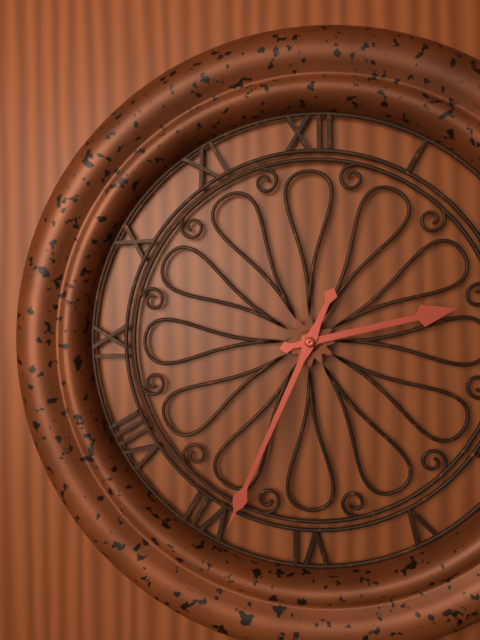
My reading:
2 h 34 min
